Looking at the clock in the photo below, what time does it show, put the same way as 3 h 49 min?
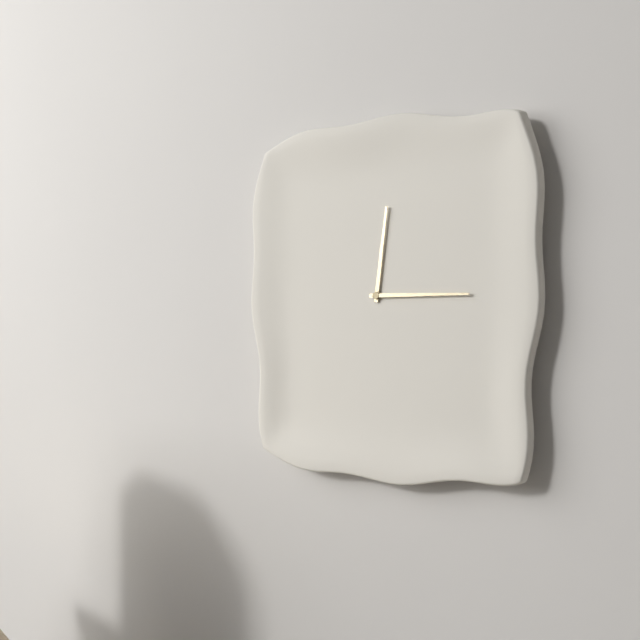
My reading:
12 h 15 min
